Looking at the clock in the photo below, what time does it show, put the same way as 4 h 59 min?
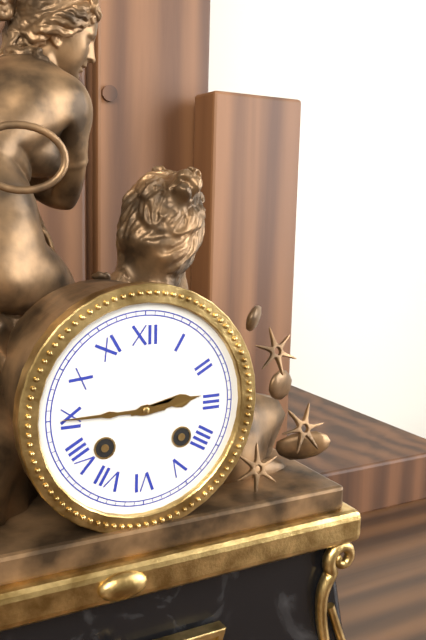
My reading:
2 h 45 min
